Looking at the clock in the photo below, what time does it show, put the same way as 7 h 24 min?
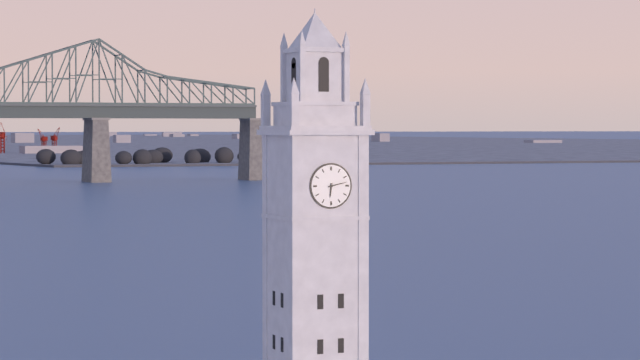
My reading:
6 h 13 min
